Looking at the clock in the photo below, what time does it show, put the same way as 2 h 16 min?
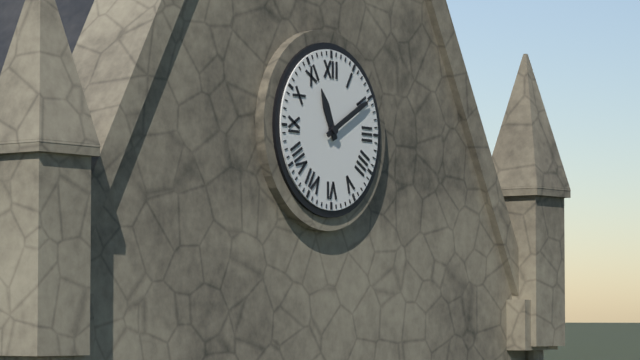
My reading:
11 h 10 min
